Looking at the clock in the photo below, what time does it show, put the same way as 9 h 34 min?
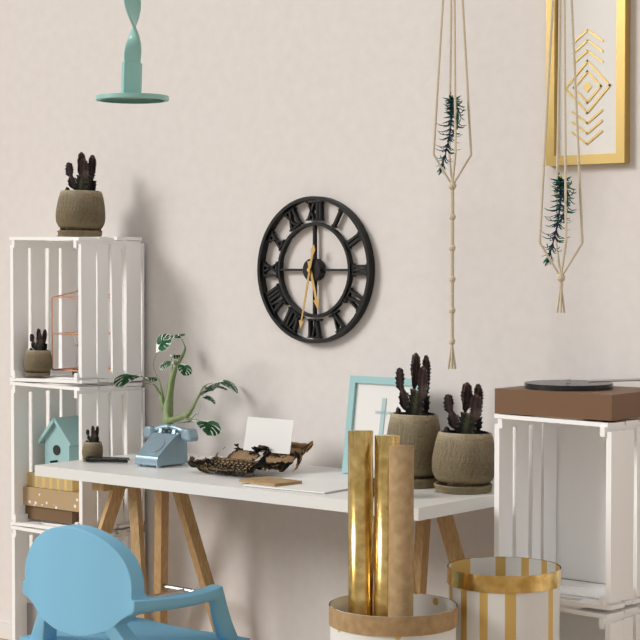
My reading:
5 h 32 min
